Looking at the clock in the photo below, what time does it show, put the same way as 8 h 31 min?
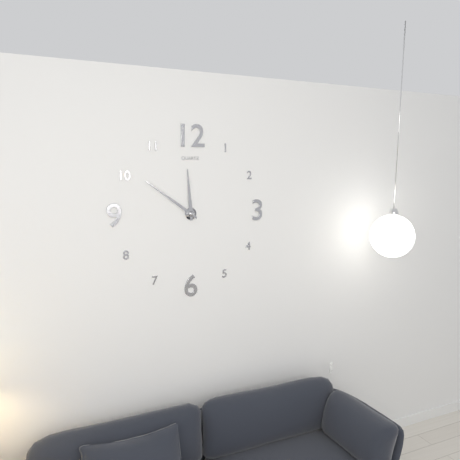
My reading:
11 h 51 min
